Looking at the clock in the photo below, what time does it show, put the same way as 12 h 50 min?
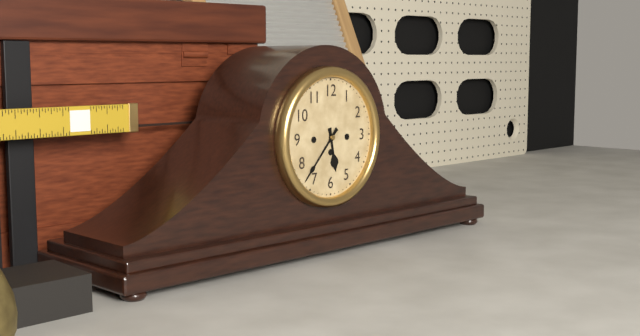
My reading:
5 h 37 min
